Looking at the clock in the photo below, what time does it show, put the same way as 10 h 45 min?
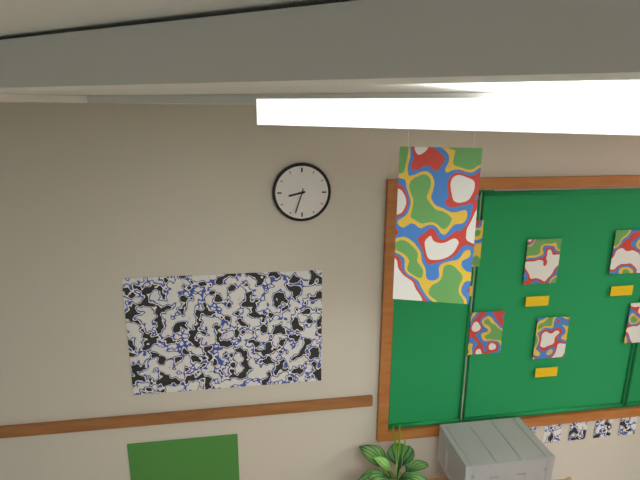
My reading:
8 h 33 min
